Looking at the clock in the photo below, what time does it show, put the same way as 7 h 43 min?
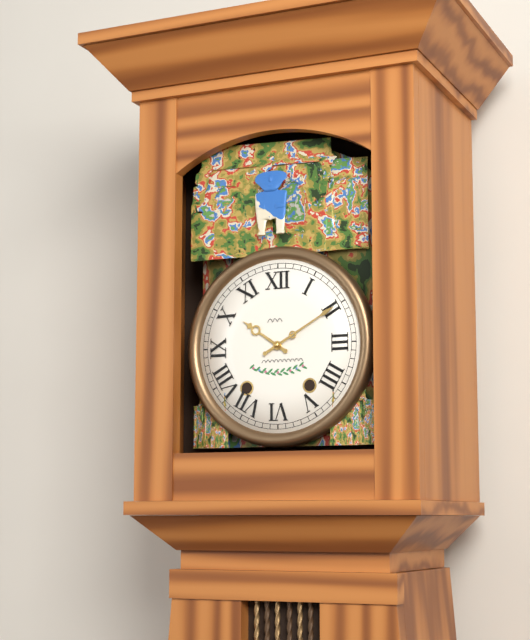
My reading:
10 h 10 min
